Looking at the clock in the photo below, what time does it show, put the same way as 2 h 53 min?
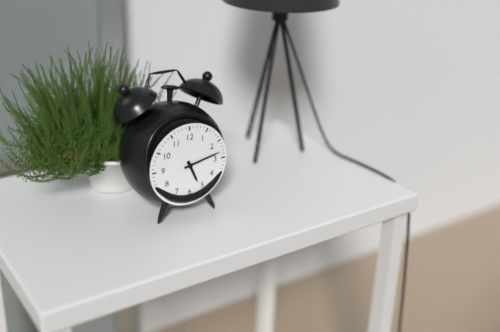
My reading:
5 h 13 min
